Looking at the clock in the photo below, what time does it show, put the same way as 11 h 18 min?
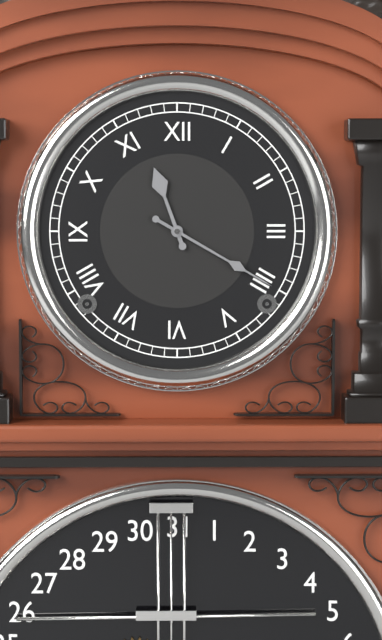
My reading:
11 h 20 min
